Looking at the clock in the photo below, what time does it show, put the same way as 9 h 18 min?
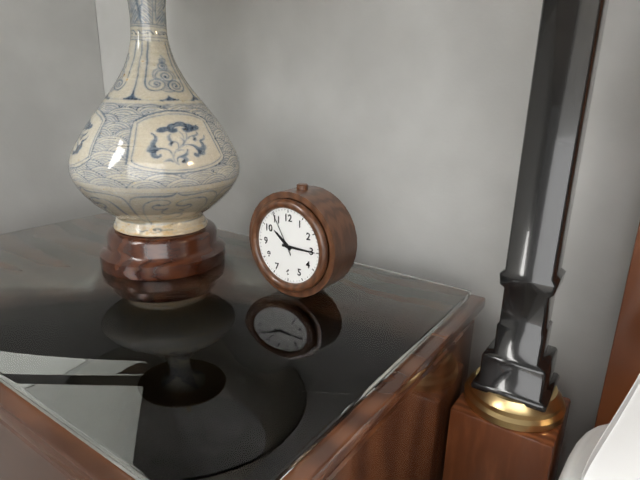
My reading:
10 h 15 min
